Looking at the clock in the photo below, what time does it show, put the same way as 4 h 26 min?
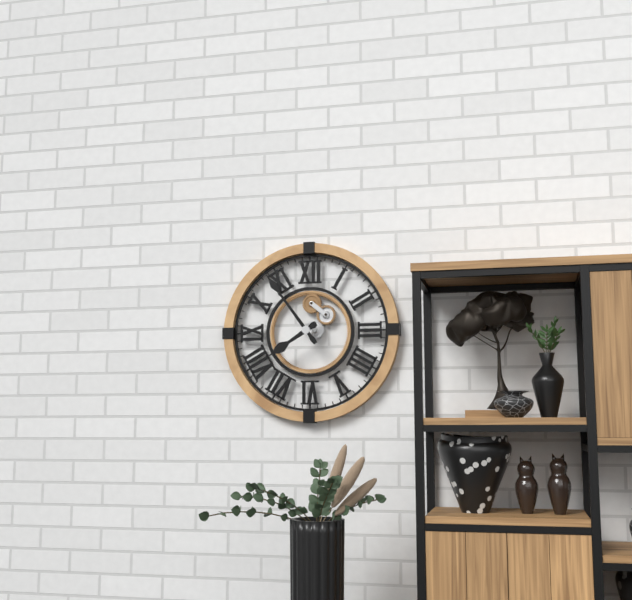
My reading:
7 h 54 min
